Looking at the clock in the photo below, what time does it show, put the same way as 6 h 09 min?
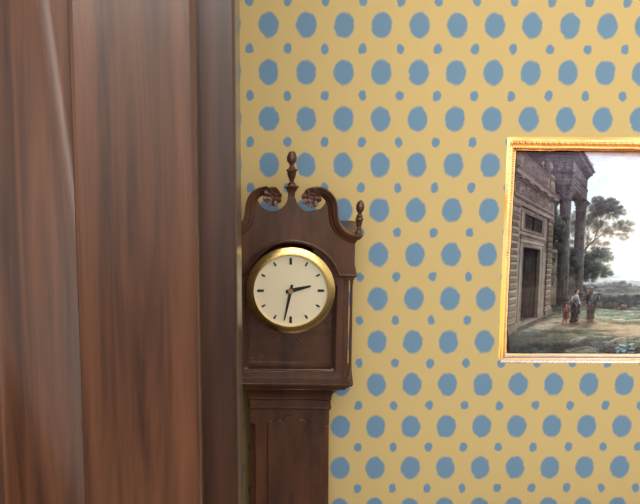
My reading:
2 h 32 min
